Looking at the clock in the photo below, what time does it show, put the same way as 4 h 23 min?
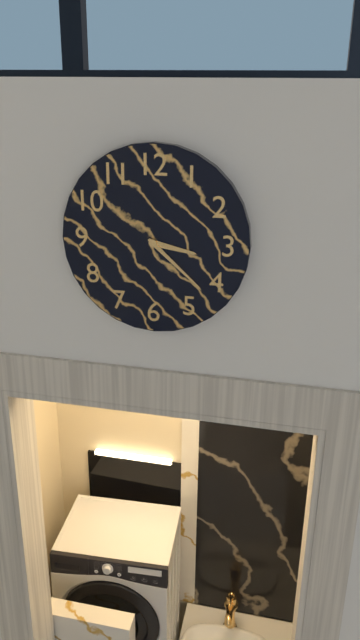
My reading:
3 h 22 min
